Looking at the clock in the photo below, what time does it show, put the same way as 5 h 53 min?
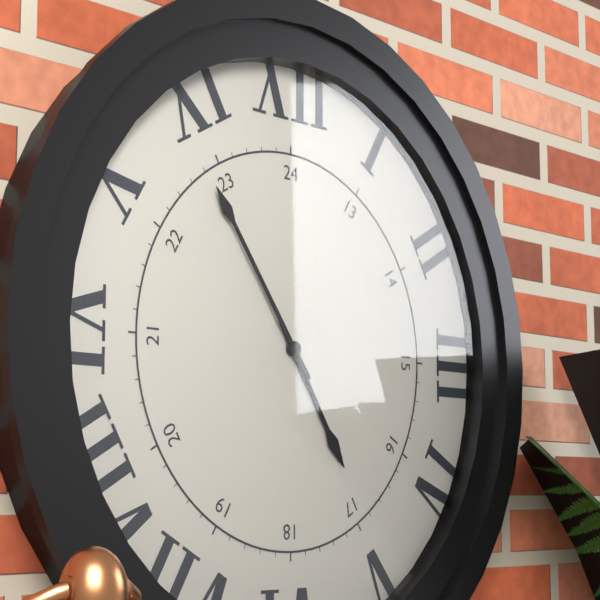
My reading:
4 h 54 min
